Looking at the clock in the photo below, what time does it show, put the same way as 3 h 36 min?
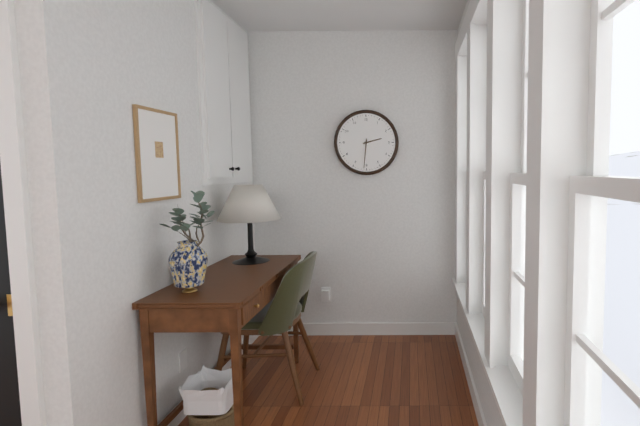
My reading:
2 h 31 min
